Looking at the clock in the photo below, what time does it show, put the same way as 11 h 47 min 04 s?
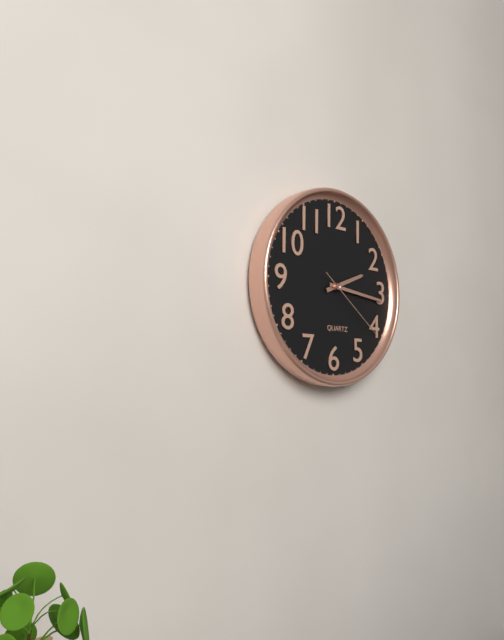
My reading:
2 h 16 min 21 s
